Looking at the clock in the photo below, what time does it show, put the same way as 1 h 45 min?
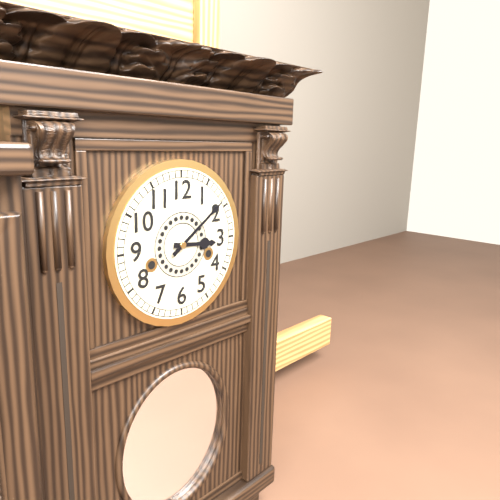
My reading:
3 h 09 min
